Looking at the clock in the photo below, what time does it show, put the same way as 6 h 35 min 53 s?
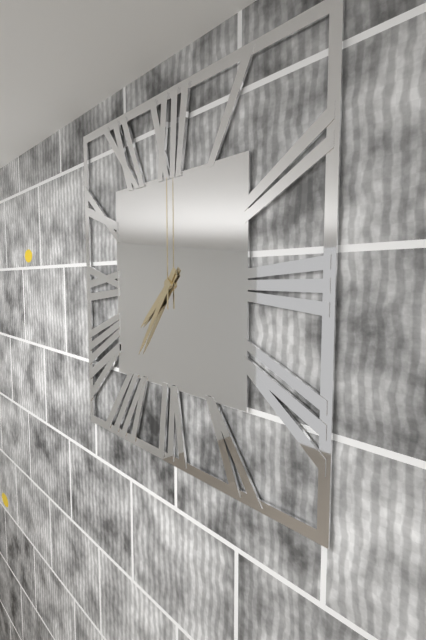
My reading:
7 h 36 min 00 s
